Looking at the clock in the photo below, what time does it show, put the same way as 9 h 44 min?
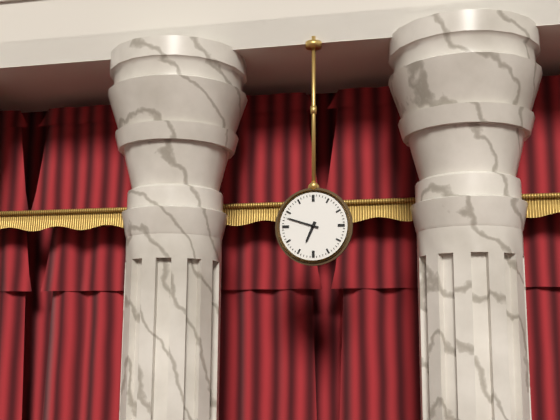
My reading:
6 h 48 min
